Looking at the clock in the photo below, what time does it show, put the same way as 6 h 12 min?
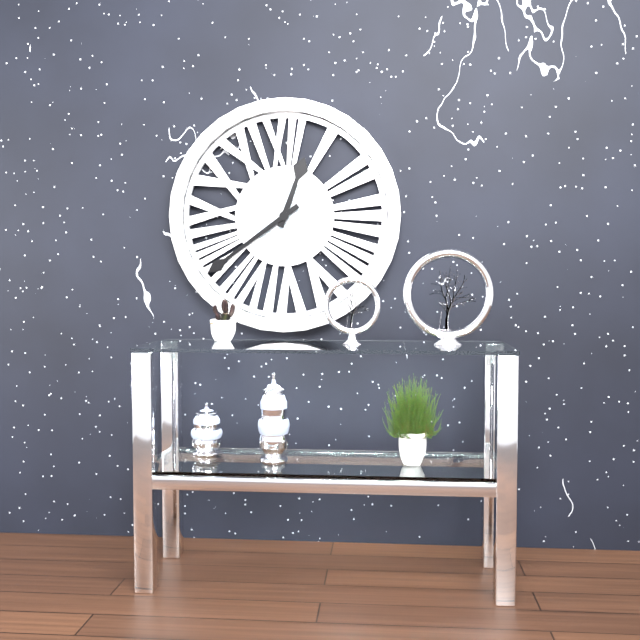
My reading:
12 h 39 min
